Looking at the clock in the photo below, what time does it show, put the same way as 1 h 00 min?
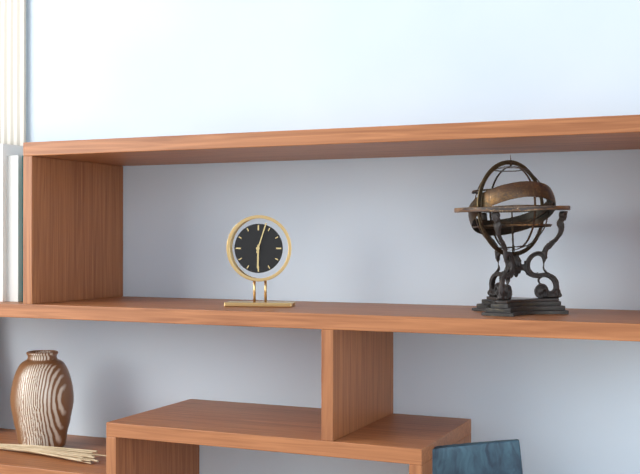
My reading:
6 h 03 min
